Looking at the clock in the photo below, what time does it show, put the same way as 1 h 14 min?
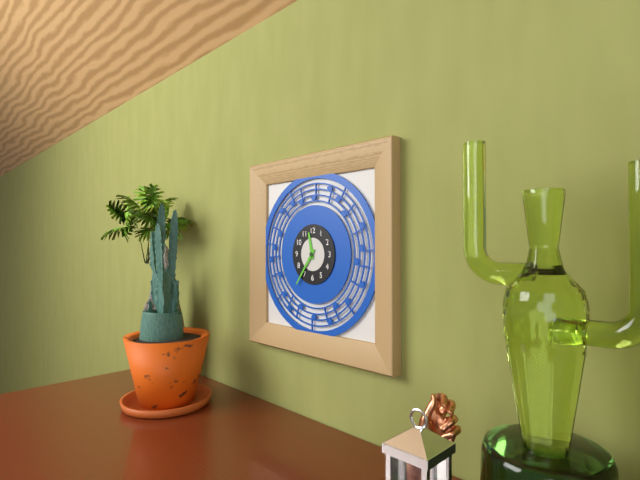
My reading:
11 h 36 min
